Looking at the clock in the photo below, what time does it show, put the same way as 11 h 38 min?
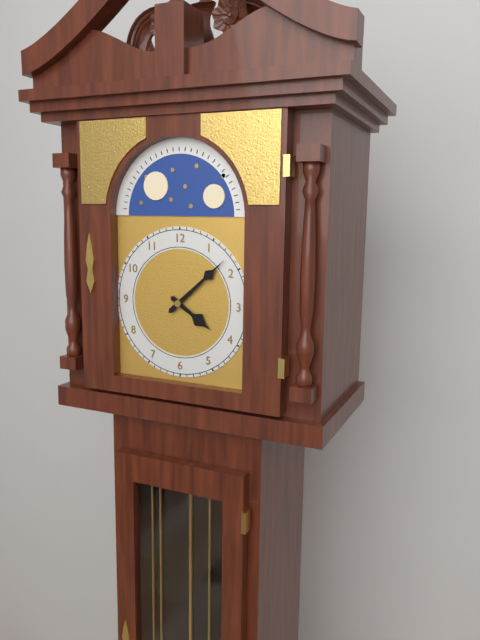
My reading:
4 h 08 min
